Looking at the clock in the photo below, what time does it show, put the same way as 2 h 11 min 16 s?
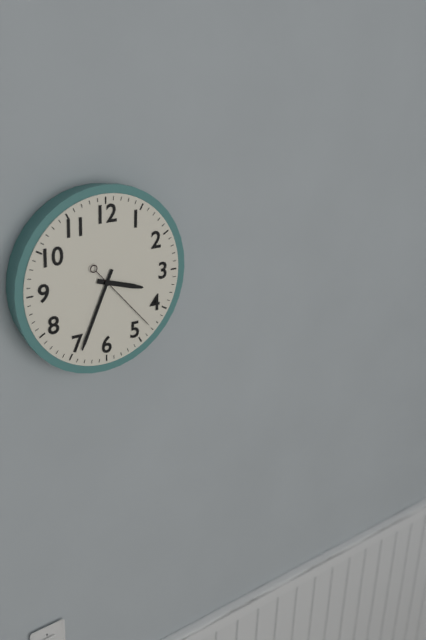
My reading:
3 h 34 min 23 s
